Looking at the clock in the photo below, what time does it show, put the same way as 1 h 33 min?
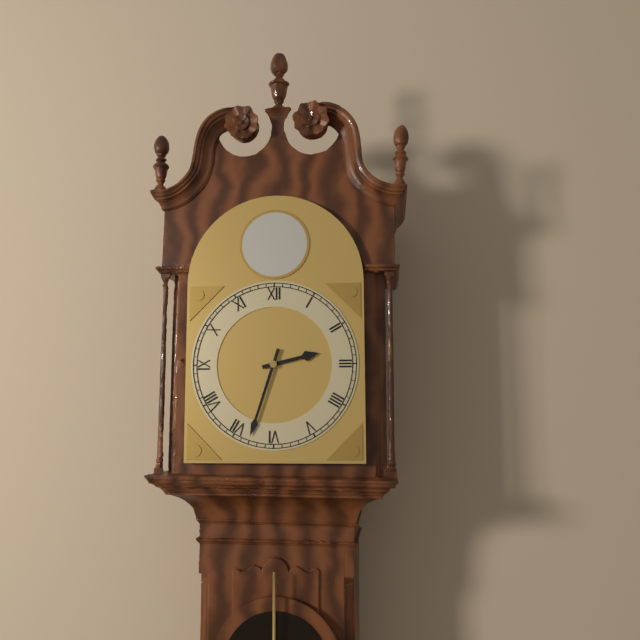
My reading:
2 h 33 min
